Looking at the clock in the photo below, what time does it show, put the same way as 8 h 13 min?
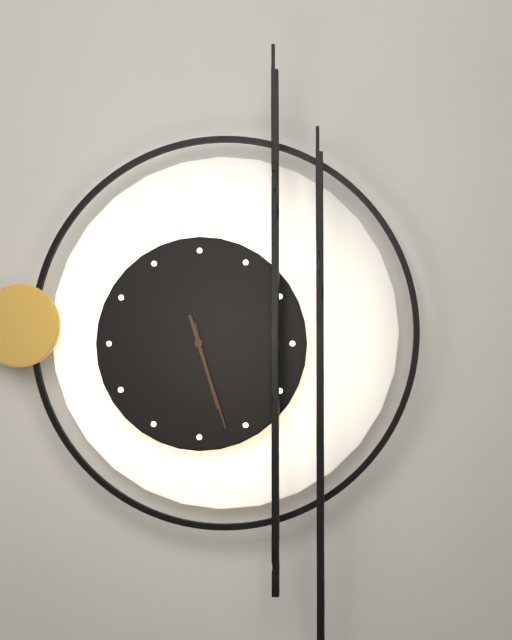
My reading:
5 h 27 min
